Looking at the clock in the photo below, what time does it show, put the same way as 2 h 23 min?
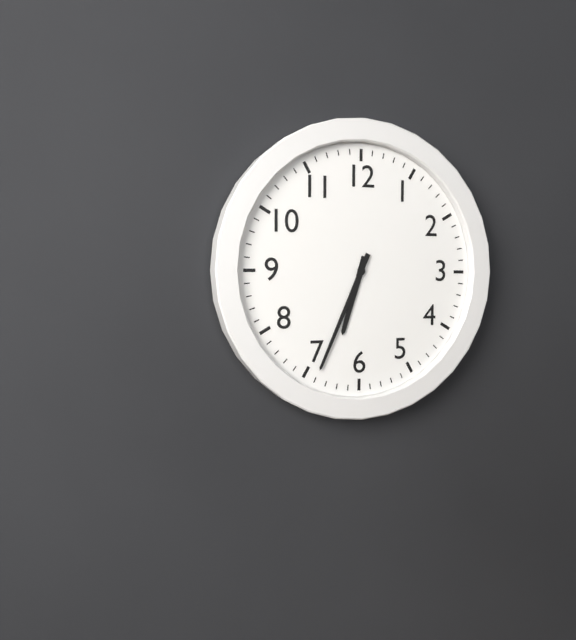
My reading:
6 h 34 min
